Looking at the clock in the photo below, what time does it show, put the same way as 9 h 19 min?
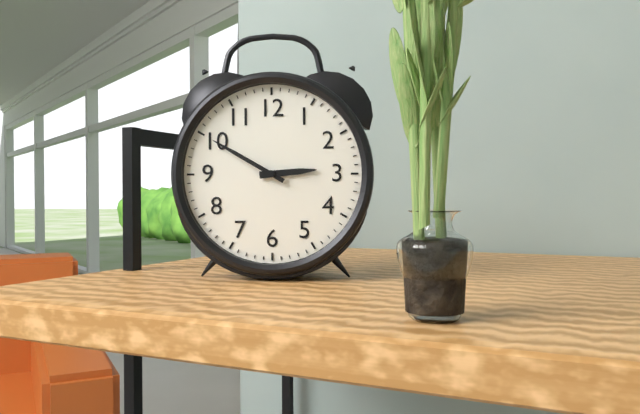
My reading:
2 h 50 min
